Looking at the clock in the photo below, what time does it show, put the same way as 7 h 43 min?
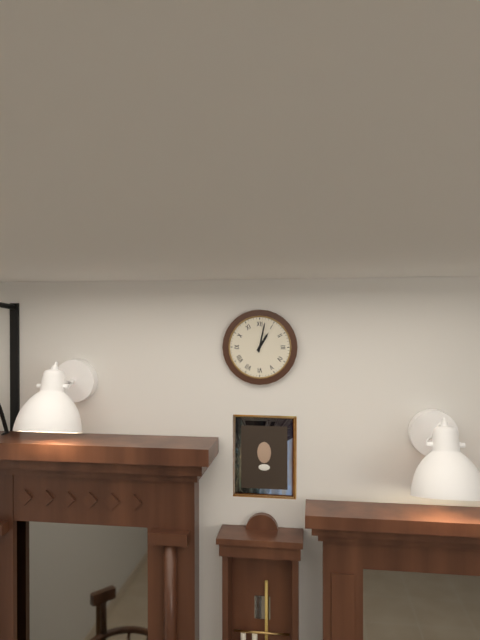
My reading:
1 h 02 min
